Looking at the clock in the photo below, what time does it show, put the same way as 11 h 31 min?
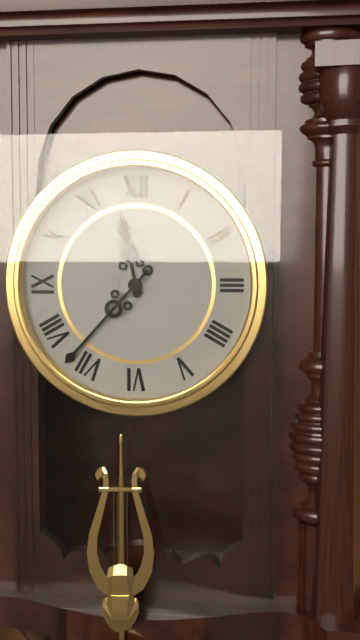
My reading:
11 h 37 min
